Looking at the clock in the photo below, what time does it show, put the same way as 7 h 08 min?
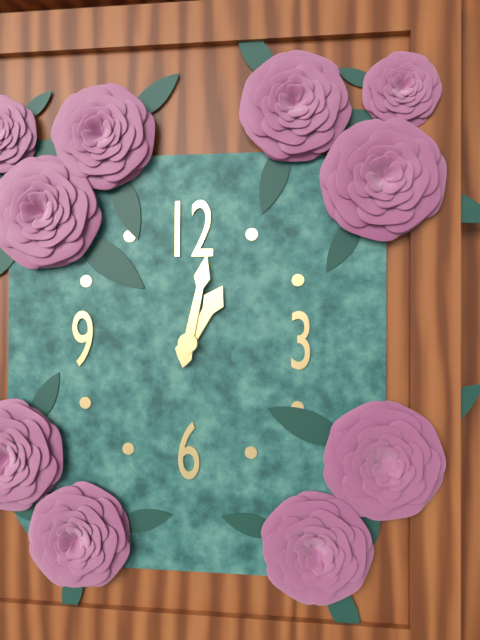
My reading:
1 h 02 min
